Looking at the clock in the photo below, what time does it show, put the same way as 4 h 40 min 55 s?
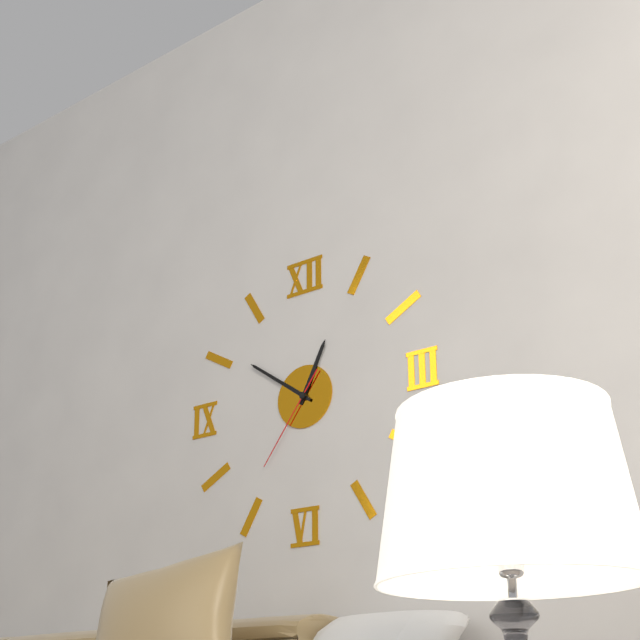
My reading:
12 h 51 min 36 s
